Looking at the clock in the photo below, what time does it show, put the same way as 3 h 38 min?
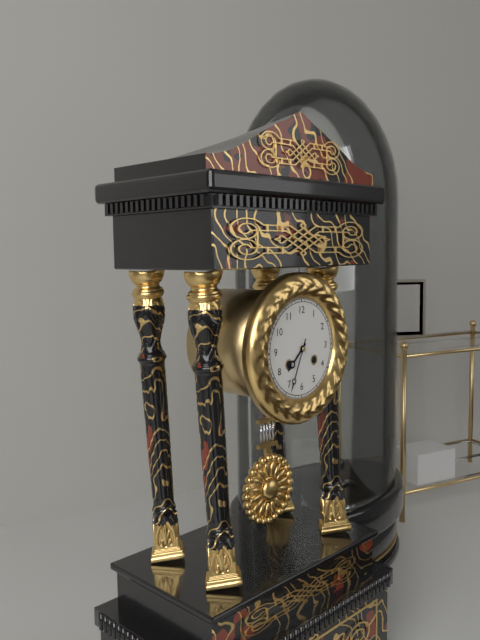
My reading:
7 h 34 min
